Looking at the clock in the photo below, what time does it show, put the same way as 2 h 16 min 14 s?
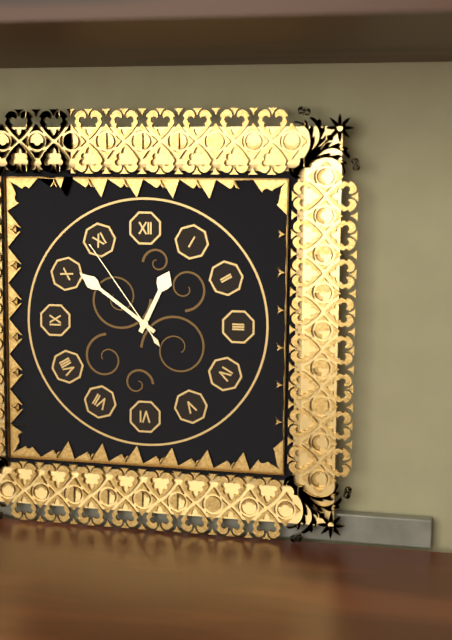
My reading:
12 h 51 min 54 s
